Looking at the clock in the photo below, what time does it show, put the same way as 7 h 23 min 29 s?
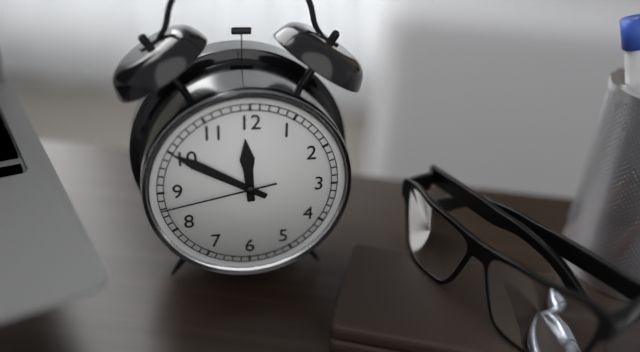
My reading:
11 h 50 min 43 s
